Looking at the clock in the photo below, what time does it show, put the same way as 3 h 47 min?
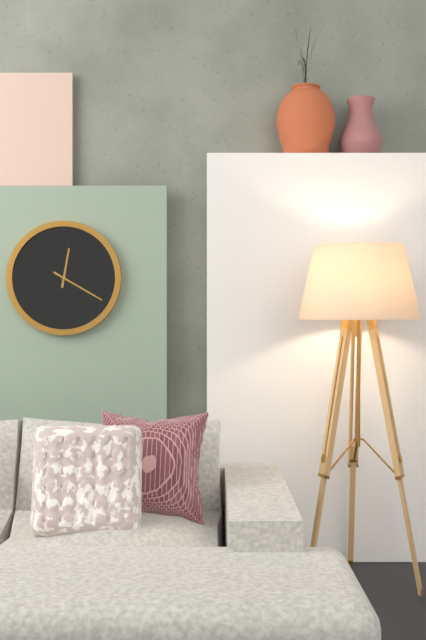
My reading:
12 h 20 min
